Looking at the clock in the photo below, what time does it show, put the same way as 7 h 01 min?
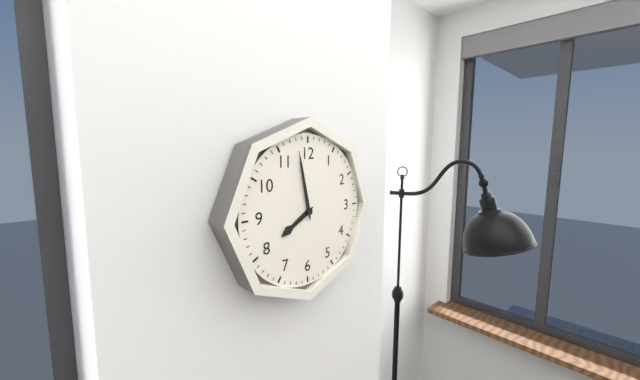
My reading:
7 h 58 min
